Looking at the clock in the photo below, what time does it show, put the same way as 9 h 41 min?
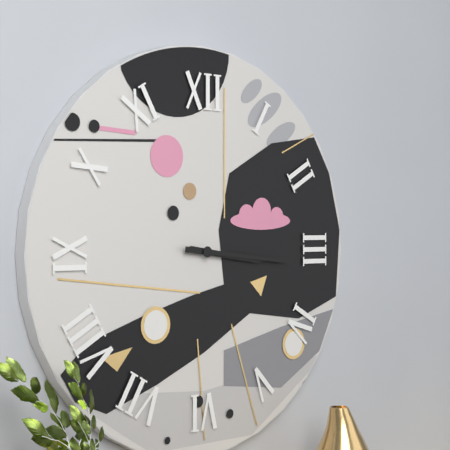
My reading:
3 h 16 min
